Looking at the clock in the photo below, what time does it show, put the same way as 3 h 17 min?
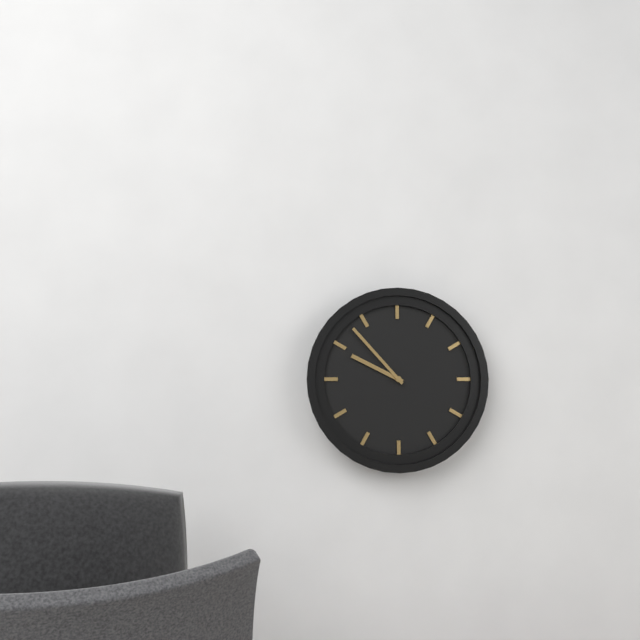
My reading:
9 h 53 min
